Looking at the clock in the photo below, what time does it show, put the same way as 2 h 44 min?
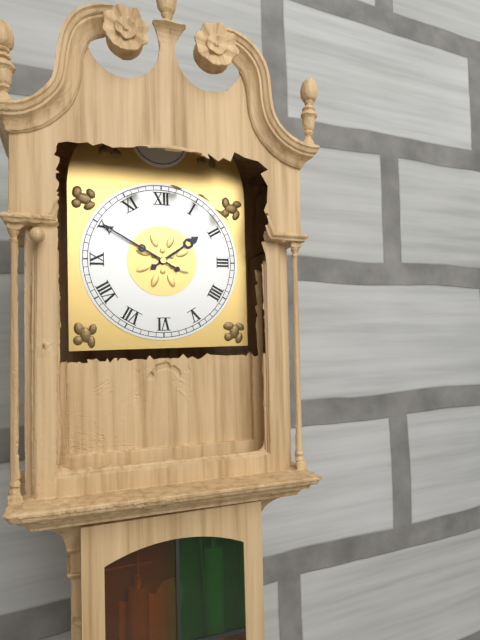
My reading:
1 h 50 min
